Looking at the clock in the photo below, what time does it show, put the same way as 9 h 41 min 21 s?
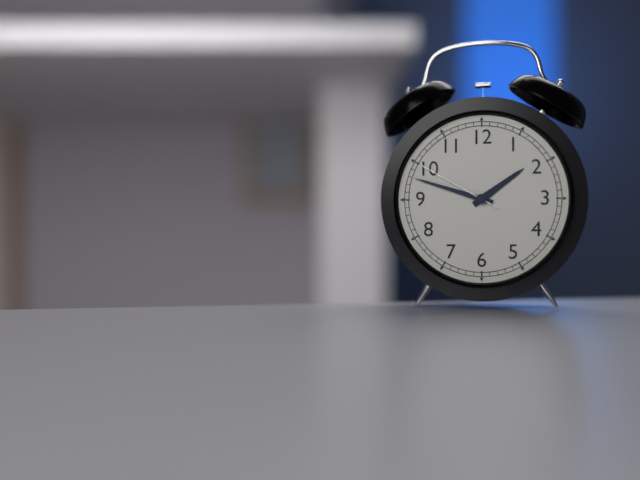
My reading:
1 h 48 min 50 s
